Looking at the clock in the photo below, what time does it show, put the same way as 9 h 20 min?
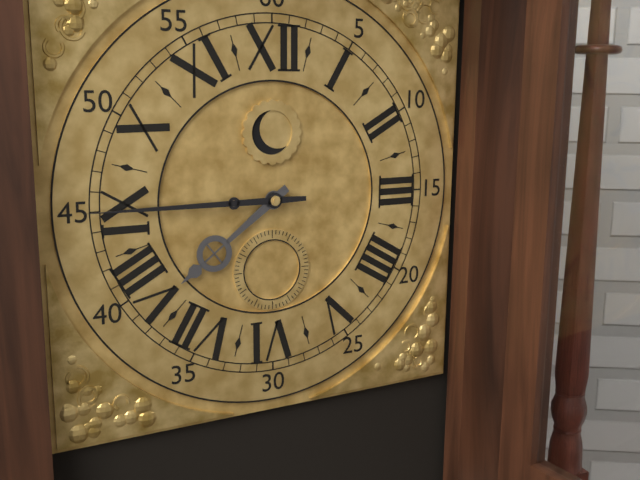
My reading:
7 h 45 min
